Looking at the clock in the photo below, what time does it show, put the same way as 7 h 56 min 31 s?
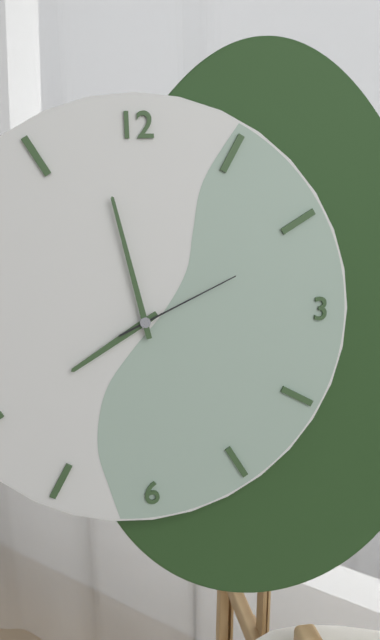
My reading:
7 h 58 min 11 s
